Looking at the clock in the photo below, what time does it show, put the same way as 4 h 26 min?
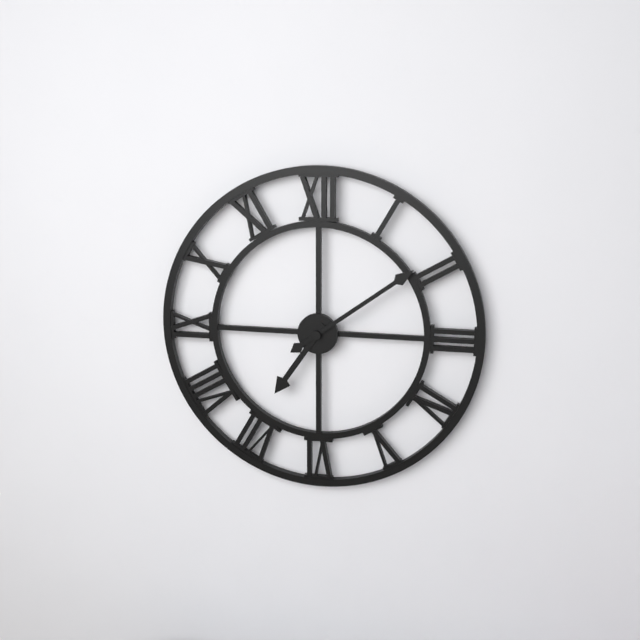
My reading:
7 h 09 min
